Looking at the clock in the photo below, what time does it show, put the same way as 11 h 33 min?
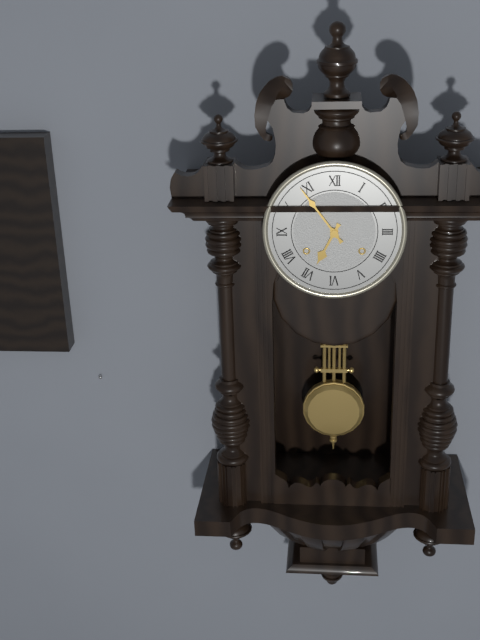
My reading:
6 h 54 min
